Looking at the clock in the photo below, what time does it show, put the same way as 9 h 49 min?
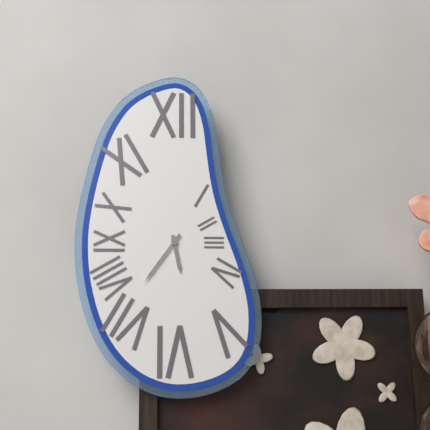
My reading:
5 h 36 min
